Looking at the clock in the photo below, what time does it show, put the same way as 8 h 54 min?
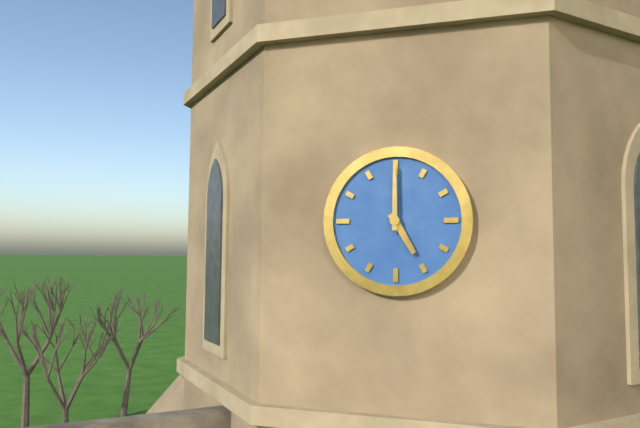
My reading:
5 h 00 min
